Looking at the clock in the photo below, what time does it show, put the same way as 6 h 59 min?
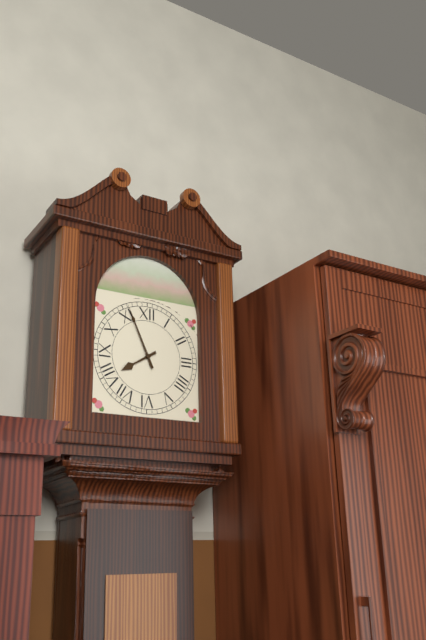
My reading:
7 h 56 min
